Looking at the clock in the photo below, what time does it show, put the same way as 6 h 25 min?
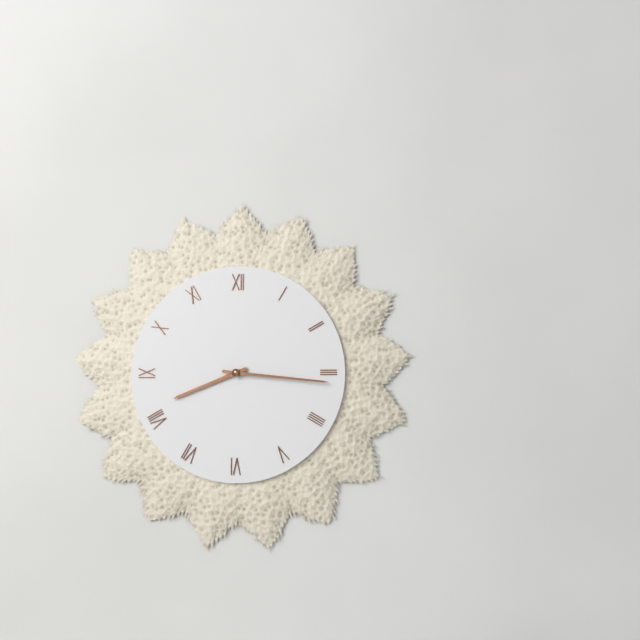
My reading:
8 h 16 min
